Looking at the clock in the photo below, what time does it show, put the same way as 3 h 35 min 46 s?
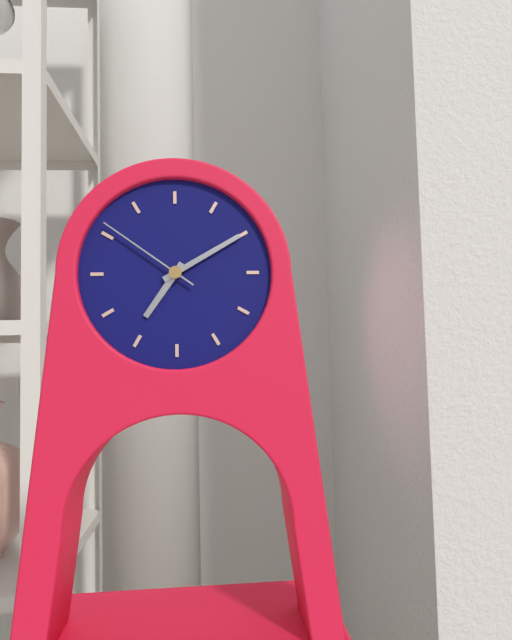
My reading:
7 h 10 min 51 s
